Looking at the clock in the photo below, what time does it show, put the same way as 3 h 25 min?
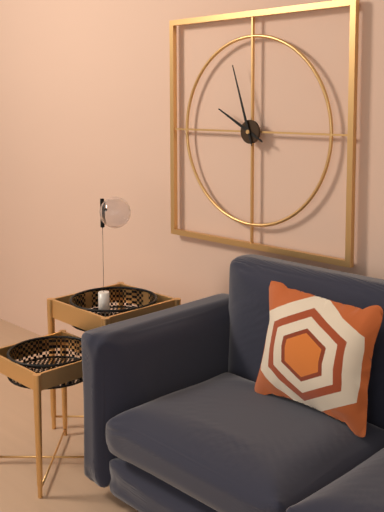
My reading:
9 h 57 min
